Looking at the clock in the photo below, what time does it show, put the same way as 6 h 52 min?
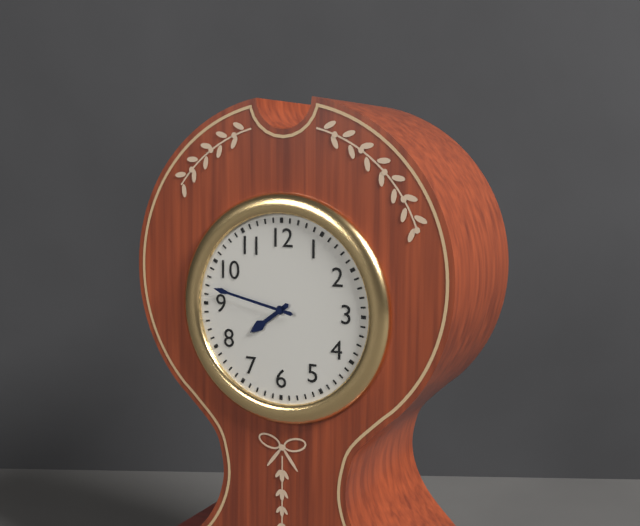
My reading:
7 h 47 min
